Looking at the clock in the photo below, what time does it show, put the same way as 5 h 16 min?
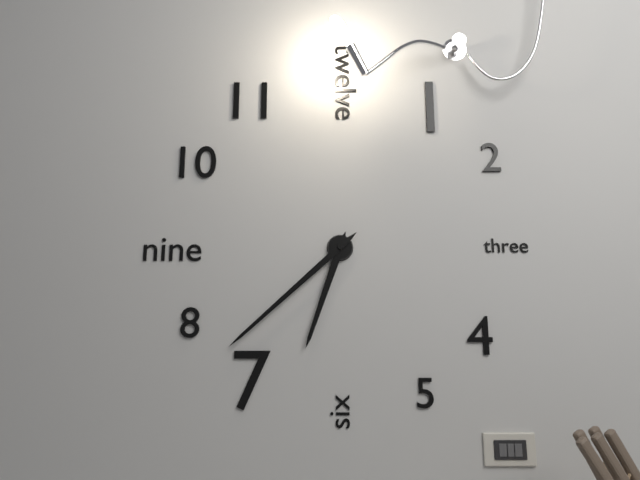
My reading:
6 h 38 min
